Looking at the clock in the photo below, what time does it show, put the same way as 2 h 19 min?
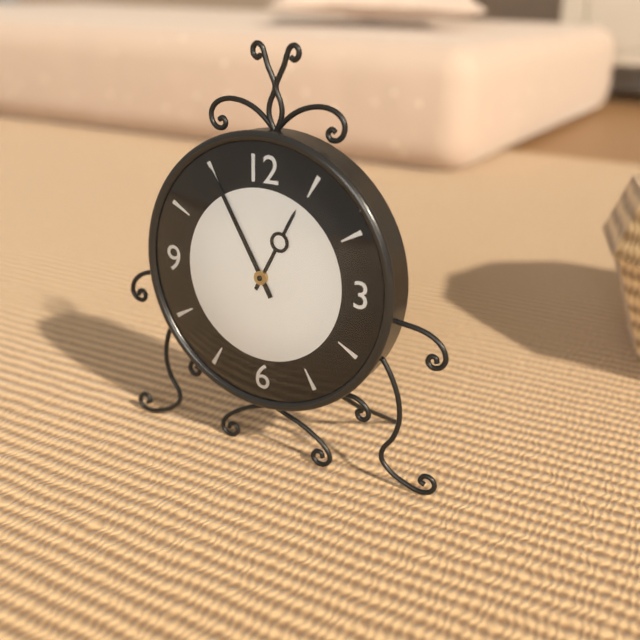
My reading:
12 h 55 min
